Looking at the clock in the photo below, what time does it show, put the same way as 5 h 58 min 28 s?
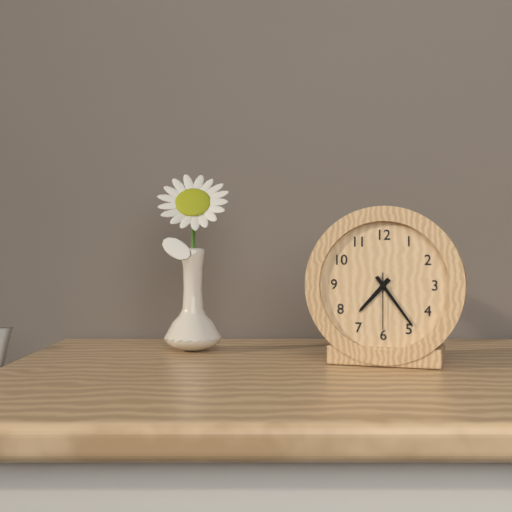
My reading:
7 h 24 min 30 s
